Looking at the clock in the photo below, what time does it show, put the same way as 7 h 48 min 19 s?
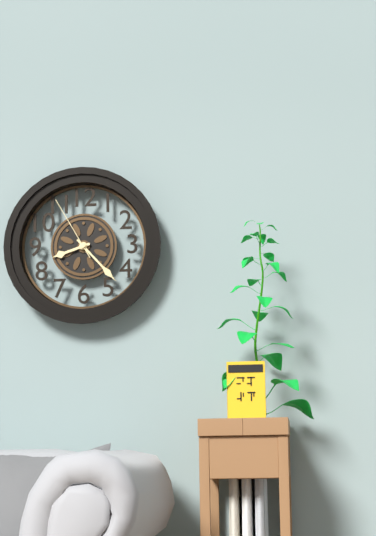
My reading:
8 h 23 min 55 s
